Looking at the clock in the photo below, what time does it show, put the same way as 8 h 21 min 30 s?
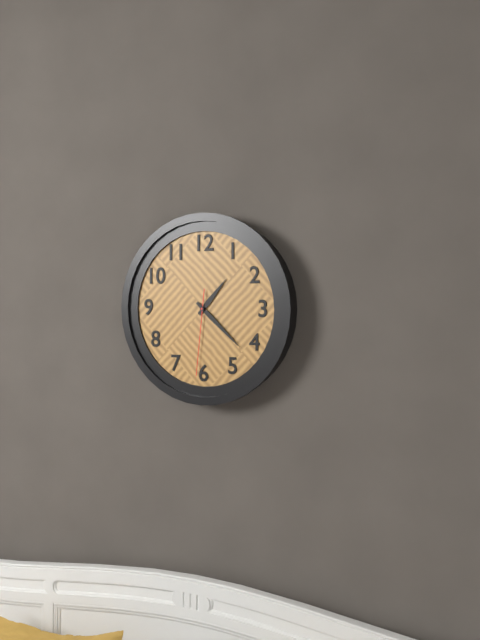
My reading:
1 h 22 min 31 s
